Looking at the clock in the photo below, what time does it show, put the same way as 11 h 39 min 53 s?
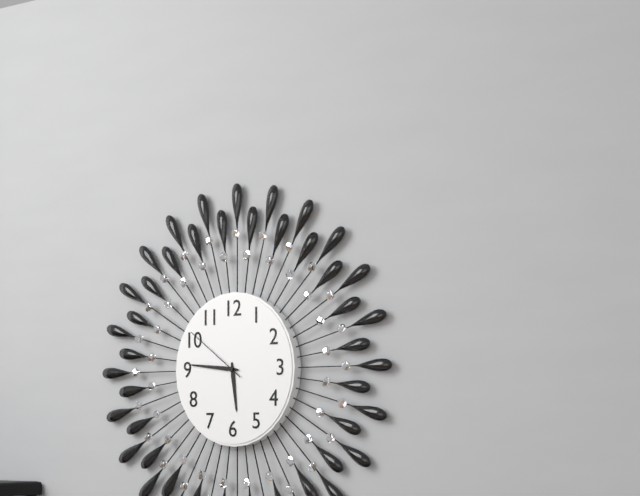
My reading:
5 h 46 min 51 s
